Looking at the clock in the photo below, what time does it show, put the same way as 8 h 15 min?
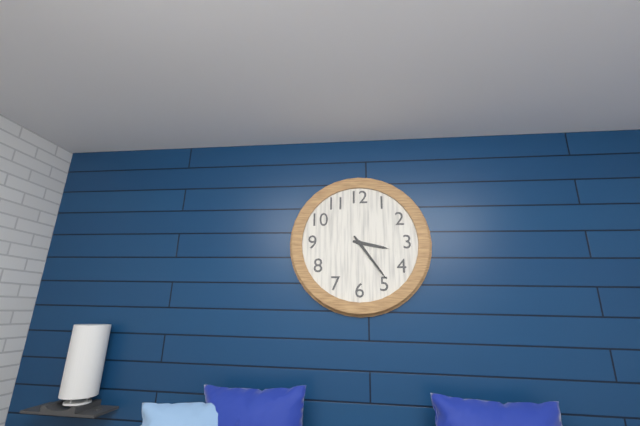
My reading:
3 h 24 min
